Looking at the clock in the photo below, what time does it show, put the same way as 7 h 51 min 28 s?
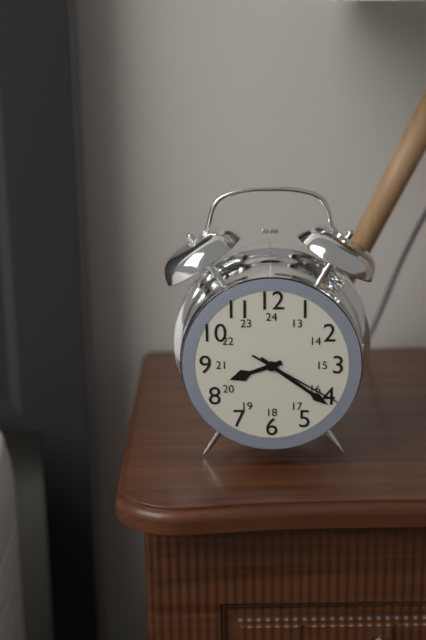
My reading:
8 h 21 min 20 s
